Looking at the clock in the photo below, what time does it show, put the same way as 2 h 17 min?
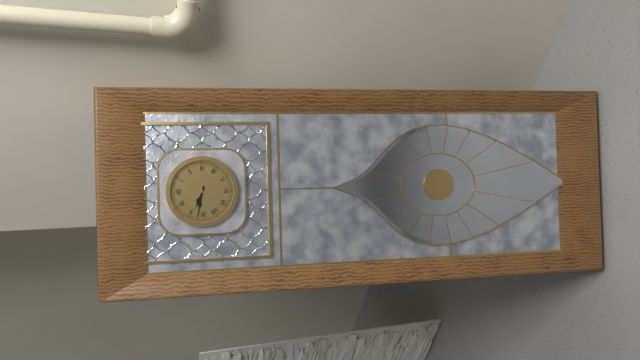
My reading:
9 h 47 min
